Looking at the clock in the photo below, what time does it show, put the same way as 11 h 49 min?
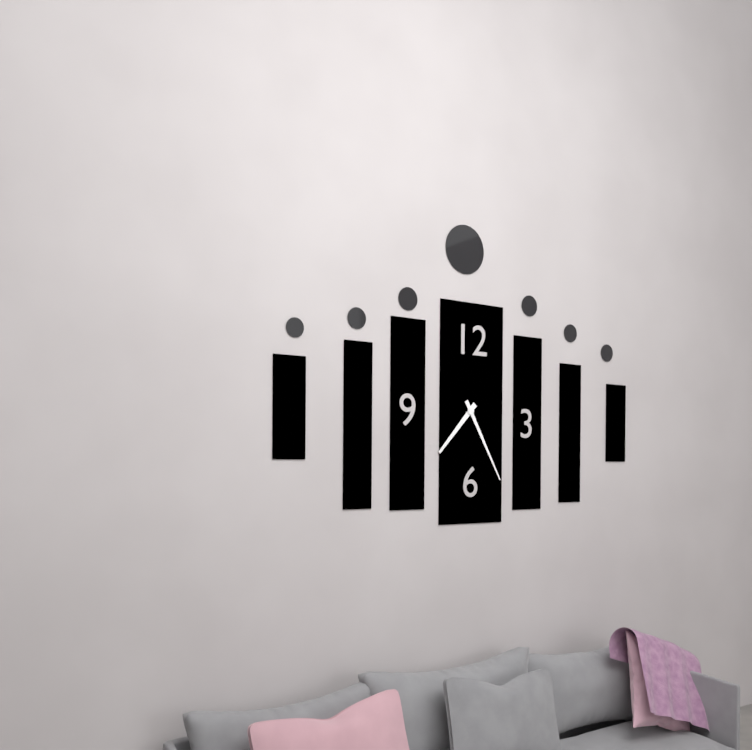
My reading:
7 h 25 min
